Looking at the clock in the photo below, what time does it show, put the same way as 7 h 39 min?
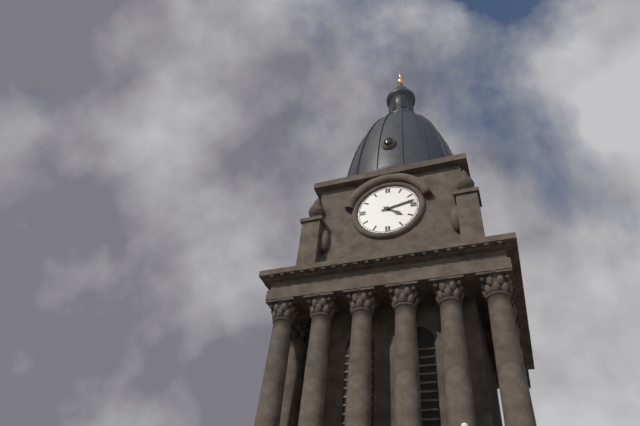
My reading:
4 h 13 min
